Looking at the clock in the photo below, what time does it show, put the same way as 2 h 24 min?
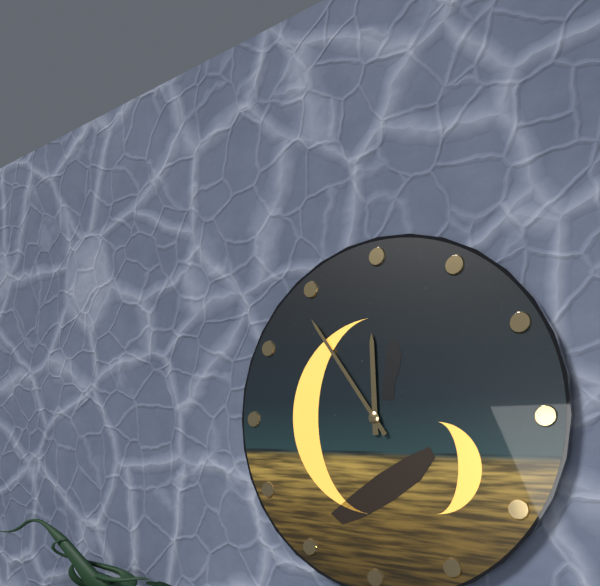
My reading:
11 h 54 min
